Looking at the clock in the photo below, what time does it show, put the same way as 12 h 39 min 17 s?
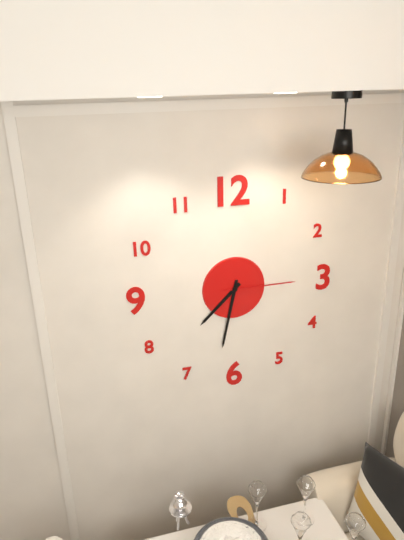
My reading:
7 h 32 min 15 s
